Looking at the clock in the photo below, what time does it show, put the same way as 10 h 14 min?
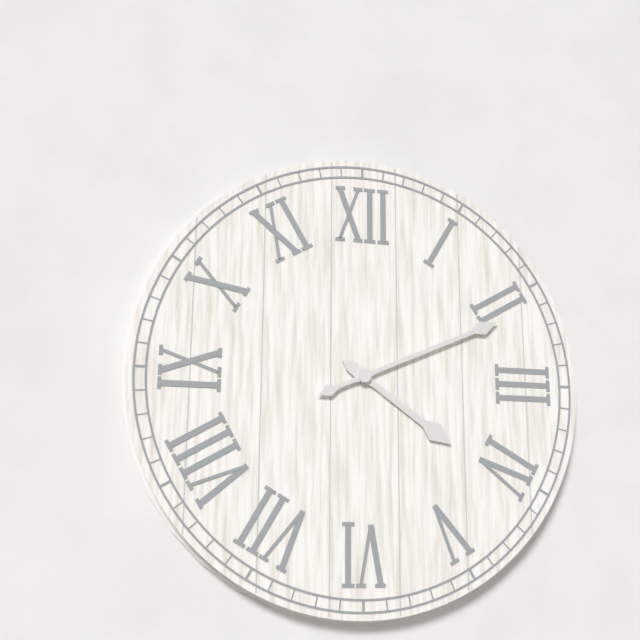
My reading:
4 h 11 min
